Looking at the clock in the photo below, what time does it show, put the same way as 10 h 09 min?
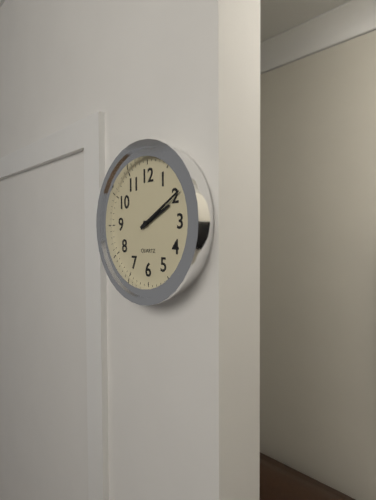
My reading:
2 h 10 min
